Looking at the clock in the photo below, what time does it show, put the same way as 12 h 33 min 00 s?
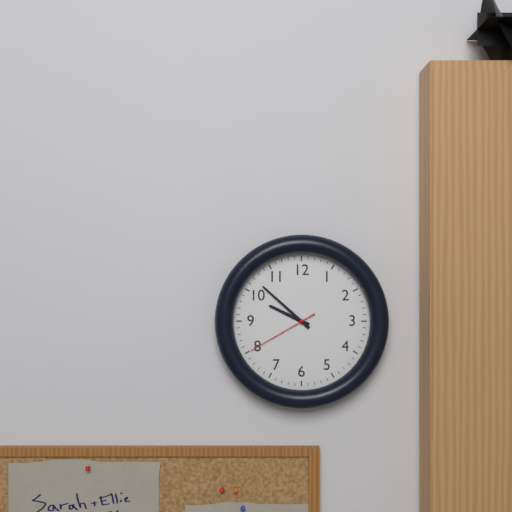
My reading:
9 h 52 min 40 s
